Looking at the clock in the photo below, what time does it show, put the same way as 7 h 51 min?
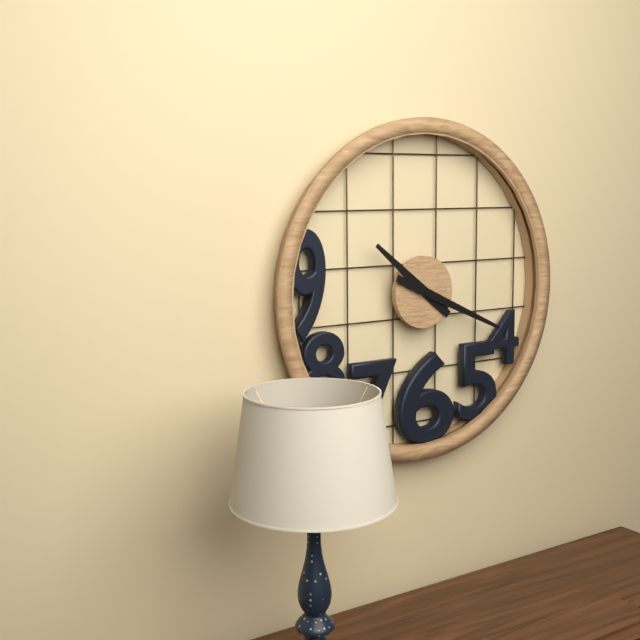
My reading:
10 h 19 min
